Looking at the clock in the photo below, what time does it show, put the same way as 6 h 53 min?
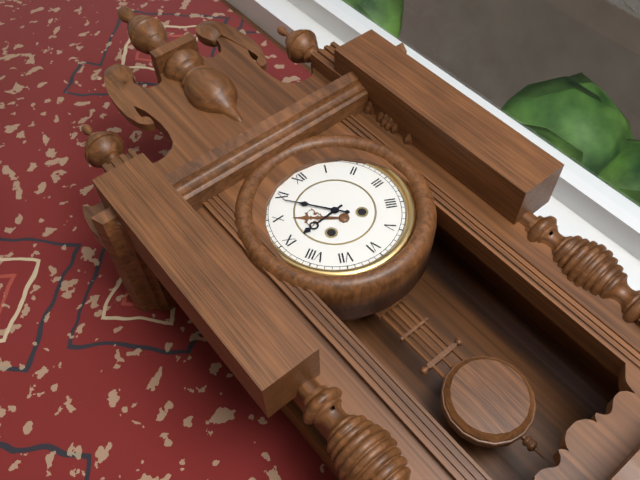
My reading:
8 h 54 min
